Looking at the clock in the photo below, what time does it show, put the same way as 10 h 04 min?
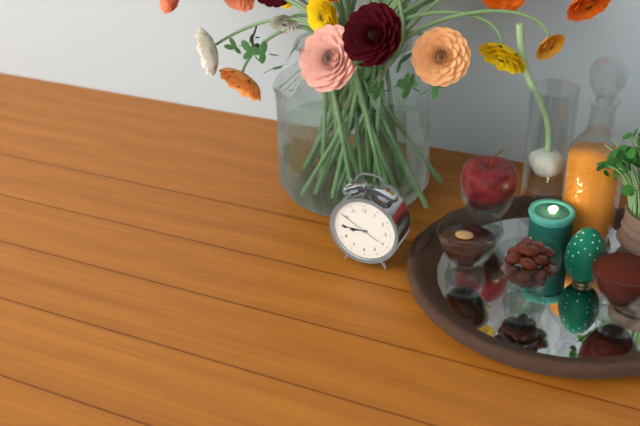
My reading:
8 h 45 min
